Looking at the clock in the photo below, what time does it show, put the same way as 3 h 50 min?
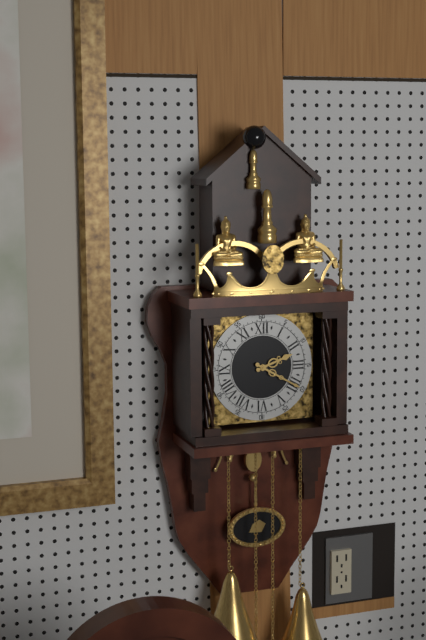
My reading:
2 h 20 min
